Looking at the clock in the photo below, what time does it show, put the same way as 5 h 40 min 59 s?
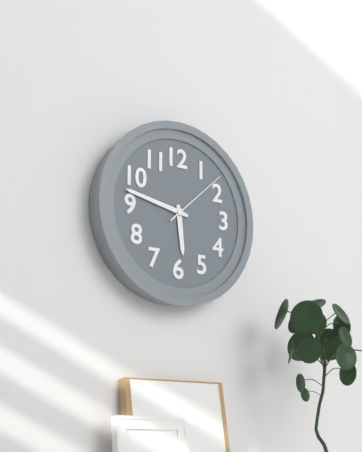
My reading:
5 h 47 min 08 s
